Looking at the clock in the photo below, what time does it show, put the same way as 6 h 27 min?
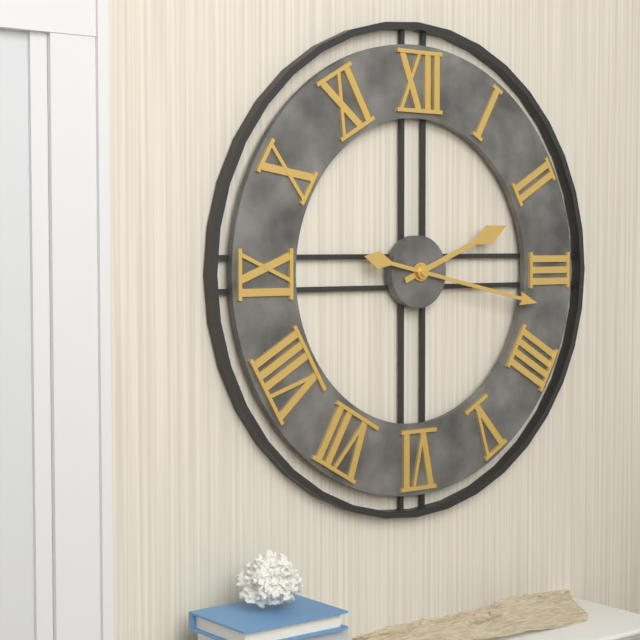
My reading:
2 h 17 min
